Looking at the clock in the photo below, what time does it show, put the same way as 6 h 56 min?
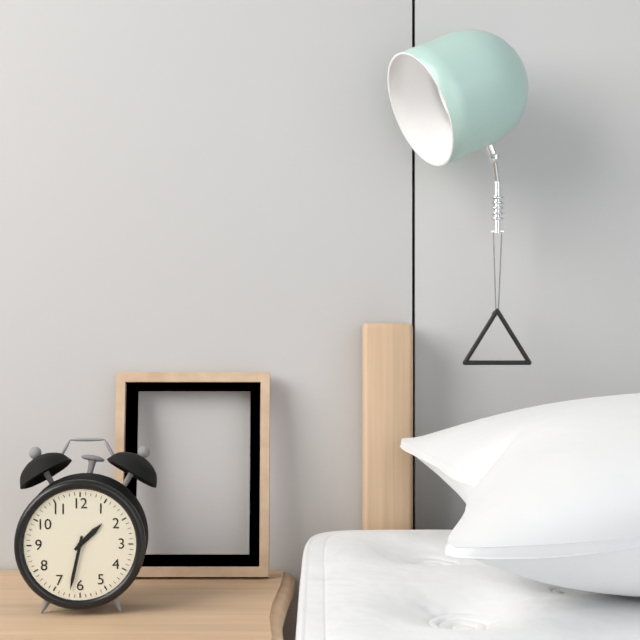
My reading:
1 h 32 min
